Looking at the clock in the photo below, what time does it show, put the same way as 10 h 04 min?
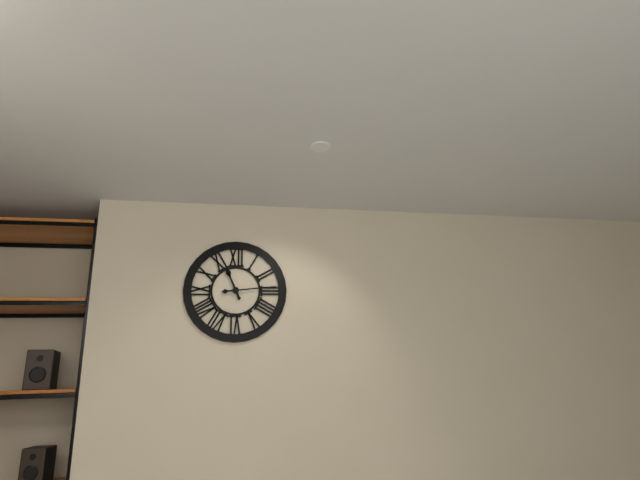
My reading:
11 h 14 min
